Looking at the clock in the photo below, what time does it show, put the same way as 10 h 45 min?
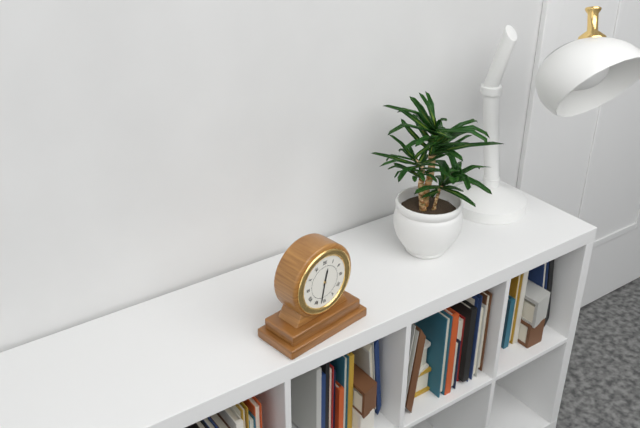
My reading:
12 h 32 min
